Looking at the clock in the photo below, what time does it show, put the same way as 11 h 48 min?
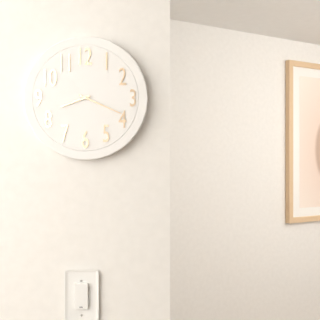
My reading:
8 h 19 min
